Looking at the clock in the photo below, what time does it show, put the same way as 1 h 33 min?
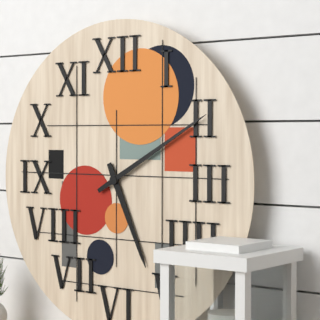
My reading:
5 h 10 min
